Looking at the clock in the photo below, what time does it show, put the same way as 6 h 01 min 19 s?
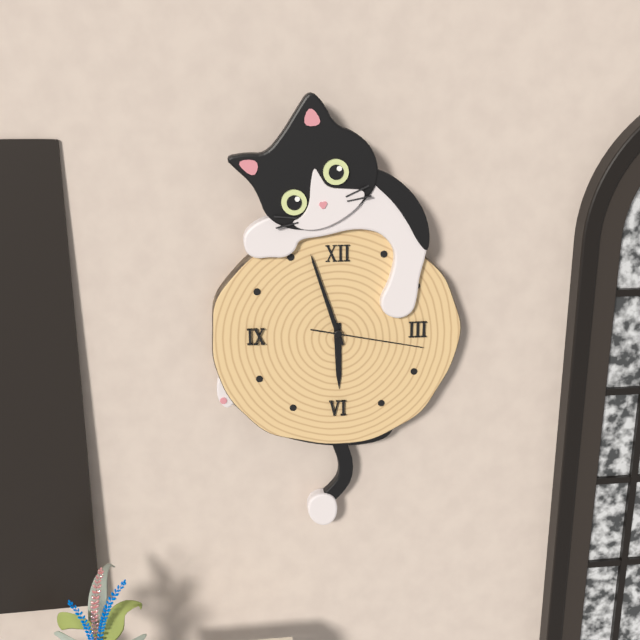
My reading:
5 h 57 min 17 s
